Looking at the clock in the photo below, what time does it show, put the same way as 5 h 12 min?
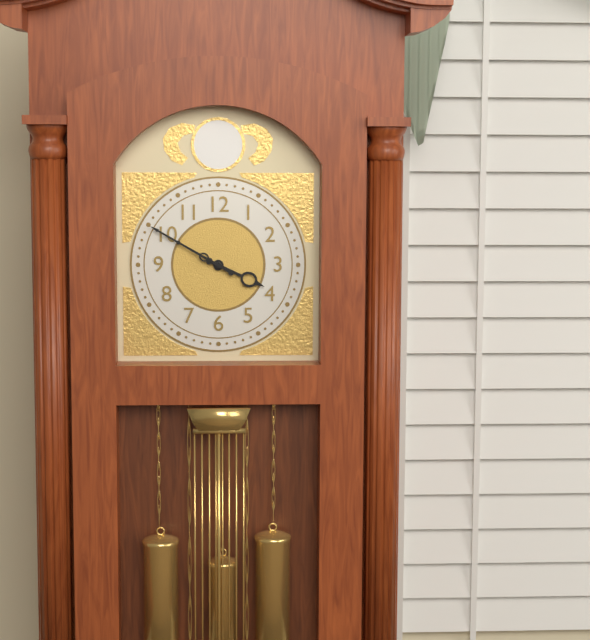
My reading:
3 h 50 min
